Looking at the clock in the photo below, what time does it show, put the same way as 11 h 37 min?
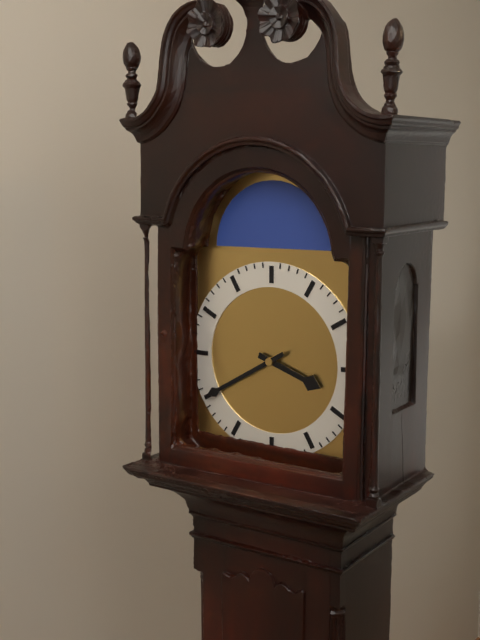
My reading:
3 h 40 min
